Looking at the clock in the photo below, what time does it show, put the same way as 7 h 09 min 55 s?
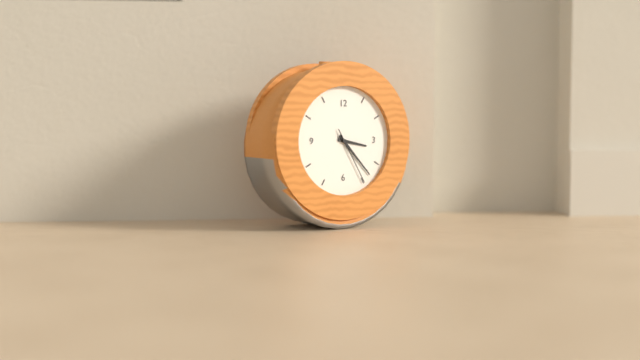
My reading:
3 h 23 min 25 s
